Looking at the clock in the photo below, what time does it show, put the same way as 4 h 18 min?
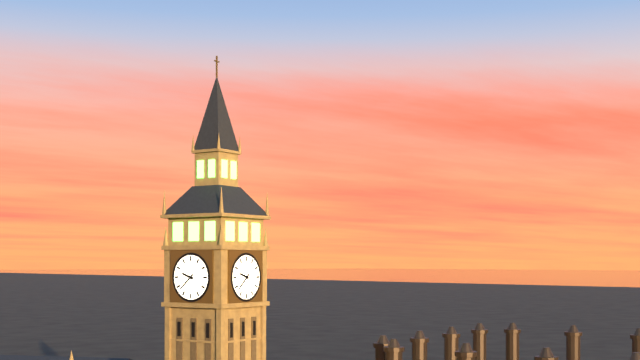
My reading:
9 h 38 min
